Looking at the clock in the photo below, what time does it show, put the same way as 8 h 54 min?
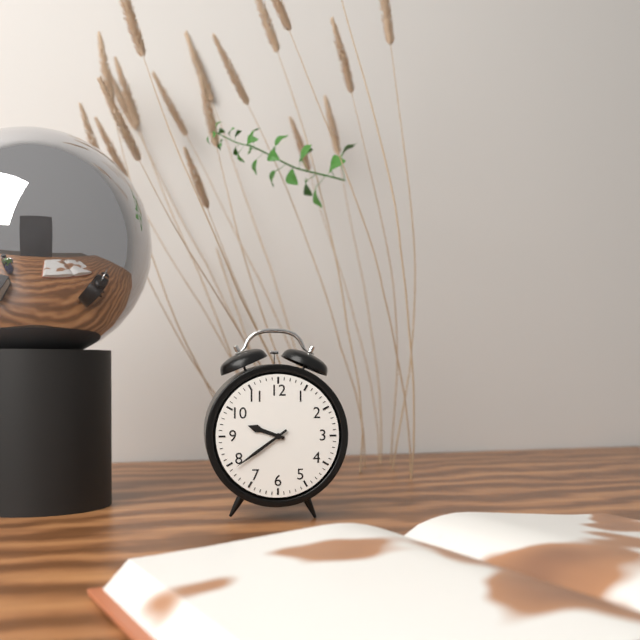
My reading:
9 h 39 min
